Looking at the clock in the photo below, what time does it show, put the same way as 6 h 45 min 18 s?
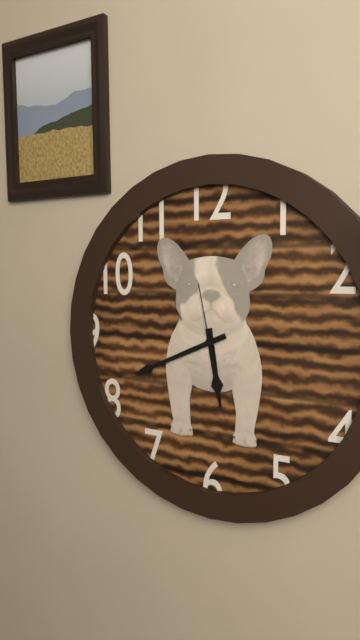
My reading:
5 h 41 min 58 s
